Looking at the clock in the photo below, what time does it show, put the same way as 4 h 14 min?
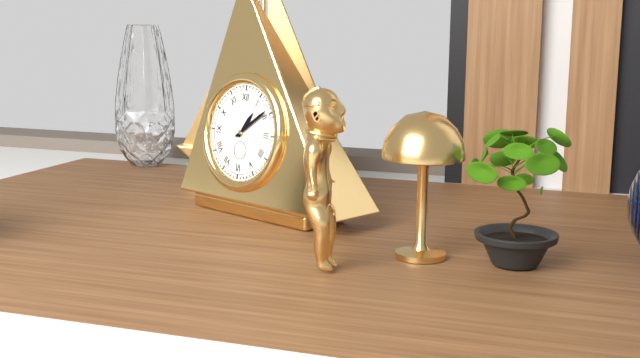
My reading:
1 h 09 min
